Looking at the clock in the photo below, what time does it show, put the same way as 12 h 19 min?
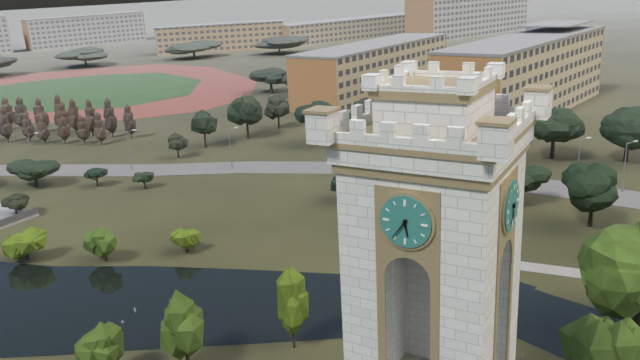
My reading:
5 h 36 min
